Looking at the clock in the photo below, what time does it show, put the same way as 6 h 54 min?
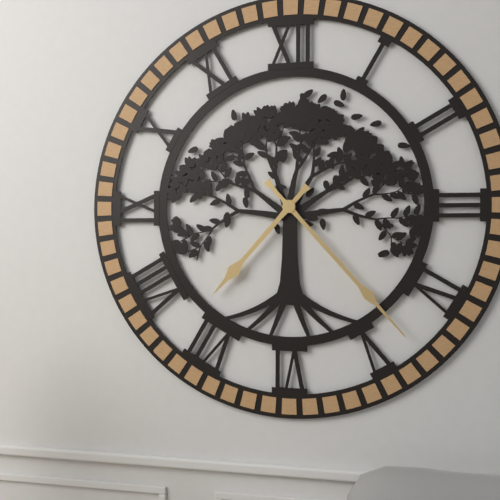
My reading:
7 h 23 min
